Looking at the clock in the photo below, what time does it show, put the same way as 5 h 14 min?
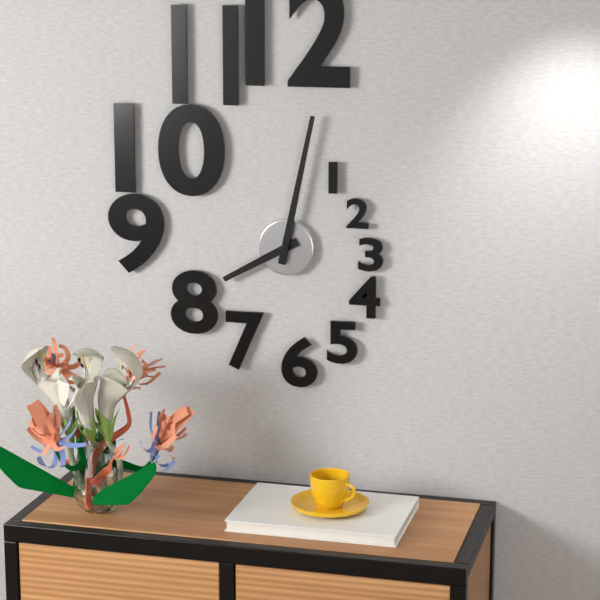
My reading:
8 h 02 min
